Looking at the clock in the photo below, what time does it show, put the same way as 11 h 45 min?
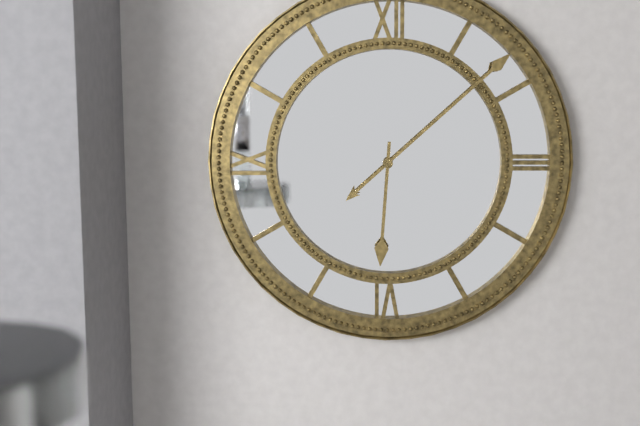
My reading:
6 h 08 min
